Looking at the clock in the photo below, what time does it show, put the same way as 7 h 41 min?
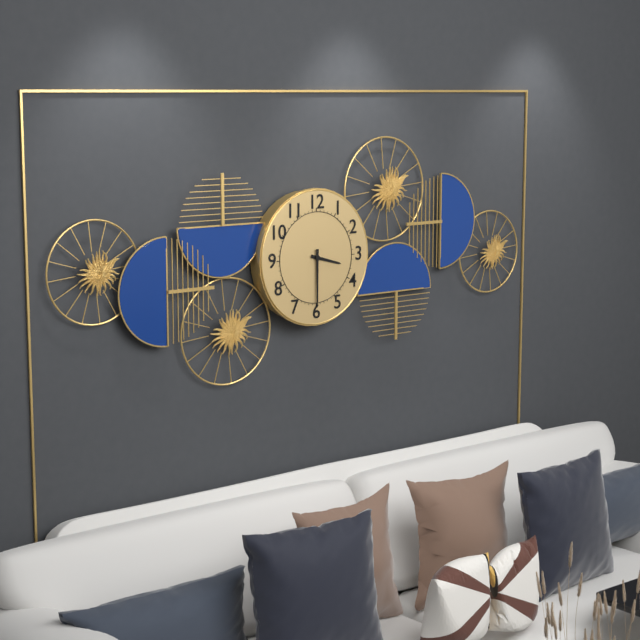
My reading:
3 h 30 min
